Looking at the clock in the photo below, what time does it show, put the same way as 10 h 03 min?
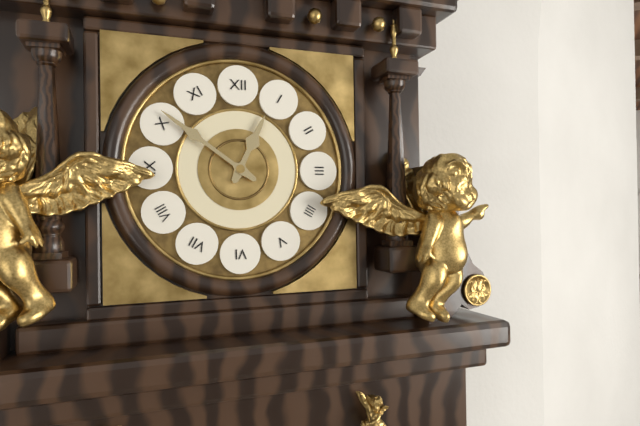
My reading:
12 h 51 min
